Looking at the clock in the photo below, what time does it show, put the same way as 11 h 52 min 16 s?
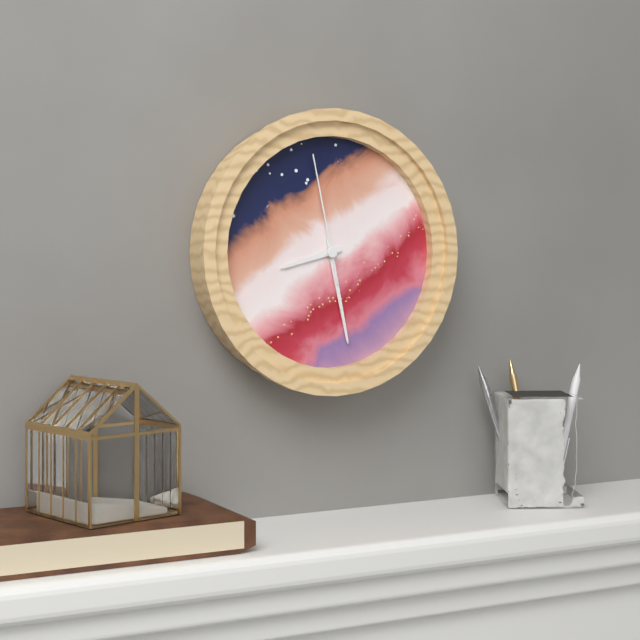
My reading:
8 h 28 min 58 s
